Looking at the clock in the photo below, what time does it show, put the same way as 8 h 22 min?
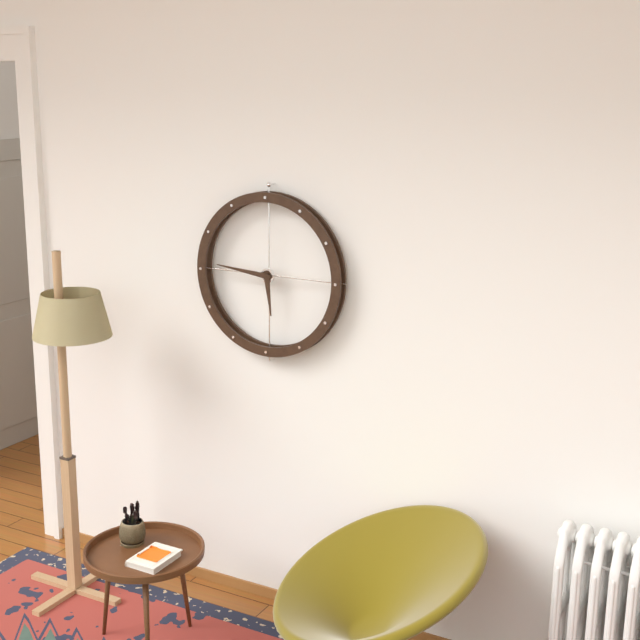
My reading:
5 h 46 min
